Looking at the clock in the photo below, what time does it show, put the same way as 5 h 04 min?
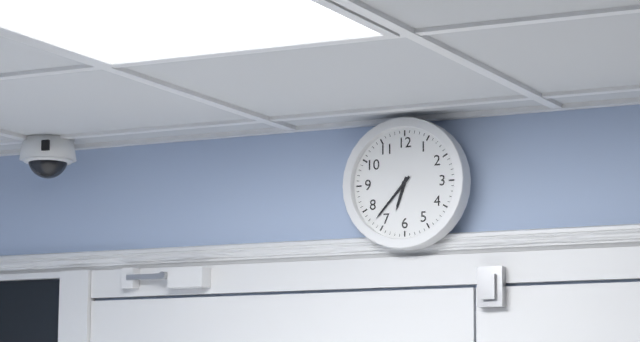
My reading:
6 h 37 min
